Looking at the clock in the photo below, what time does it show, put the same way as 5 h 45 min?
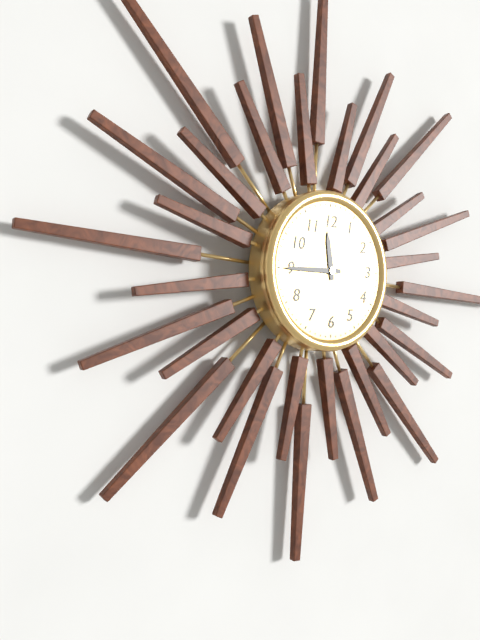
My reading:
11 h 45 min
